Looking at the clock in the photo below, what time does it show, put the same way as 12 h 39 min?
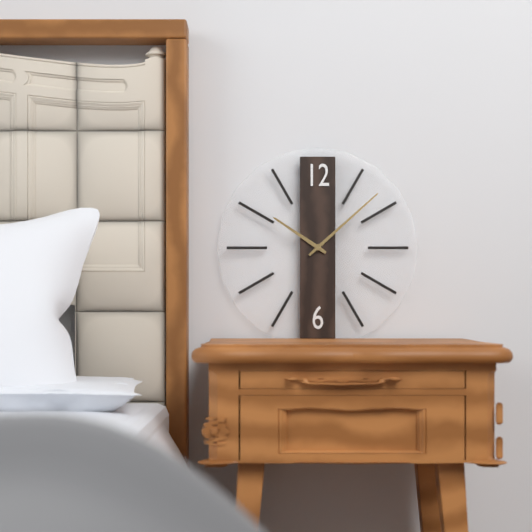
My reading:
10 h 08 min
